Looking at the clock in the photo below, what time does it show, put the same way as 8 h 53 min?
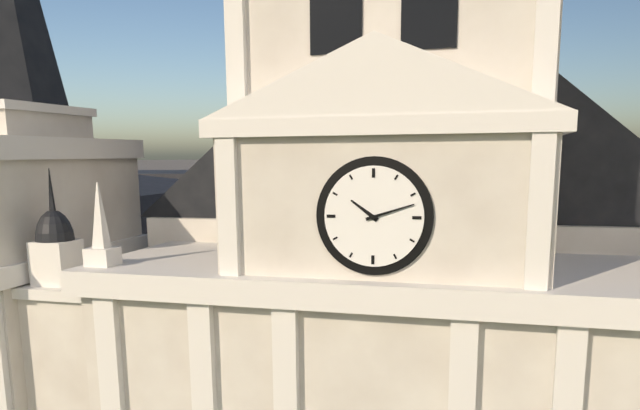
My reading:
10 h 12 min
